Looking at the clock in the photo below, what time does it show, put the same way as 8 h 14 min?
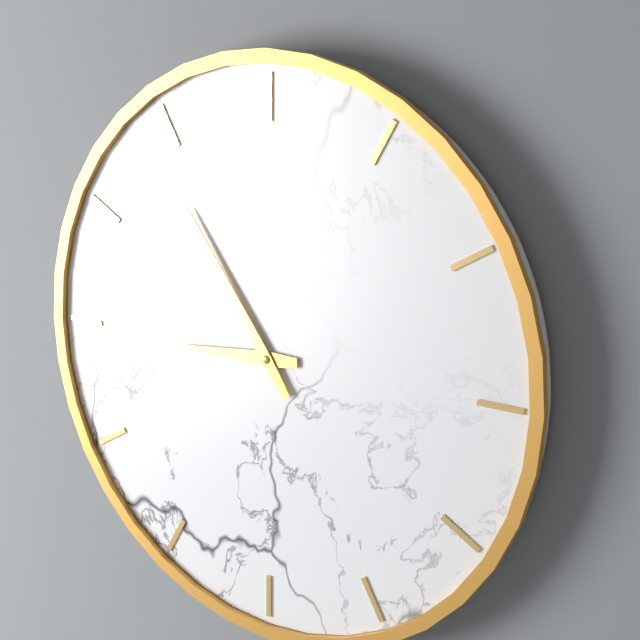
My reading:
8 h 54 min
